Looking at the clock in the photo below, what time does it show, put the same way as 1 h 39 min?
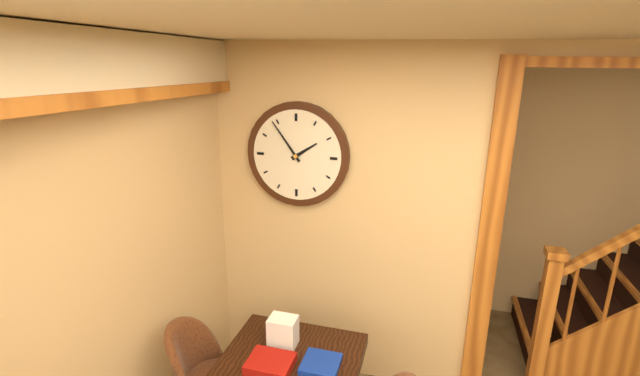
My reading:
1 h 54 min
